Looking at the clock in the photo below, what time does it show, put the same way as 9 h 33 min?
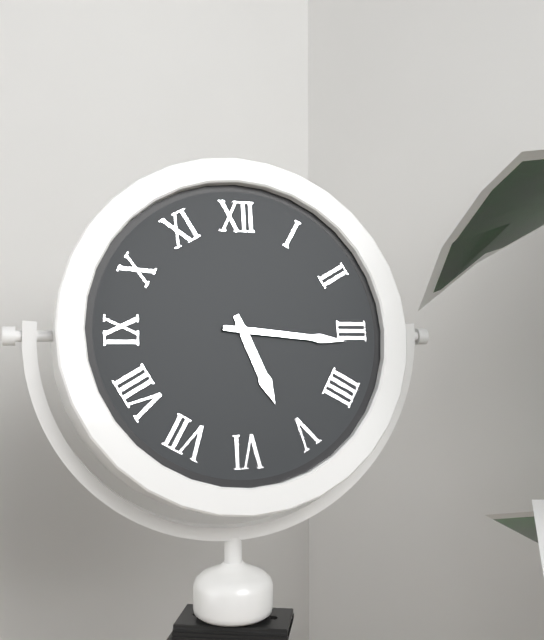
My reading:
5 h 16 min
